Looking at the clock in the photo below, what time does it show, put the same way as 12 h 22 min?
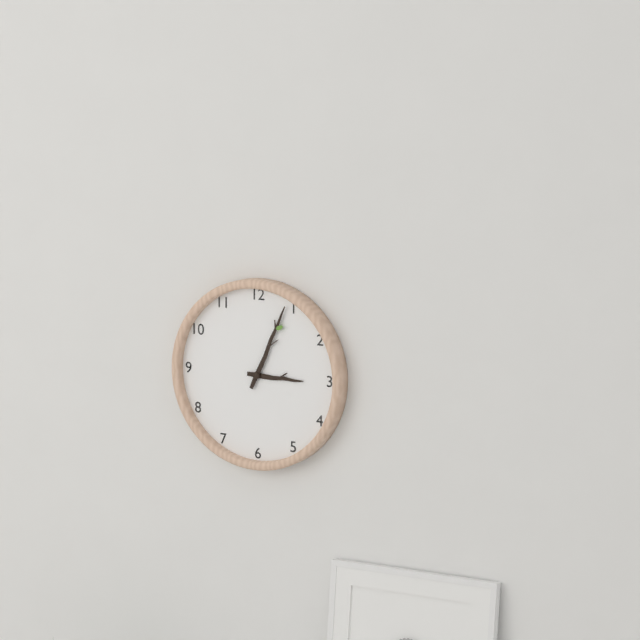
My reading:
3 h 04 min
